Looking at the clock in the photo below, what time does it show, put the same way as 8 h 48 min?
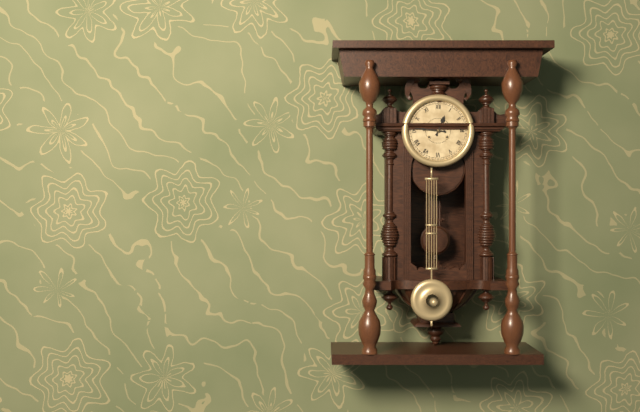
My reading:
12 h 46 min
